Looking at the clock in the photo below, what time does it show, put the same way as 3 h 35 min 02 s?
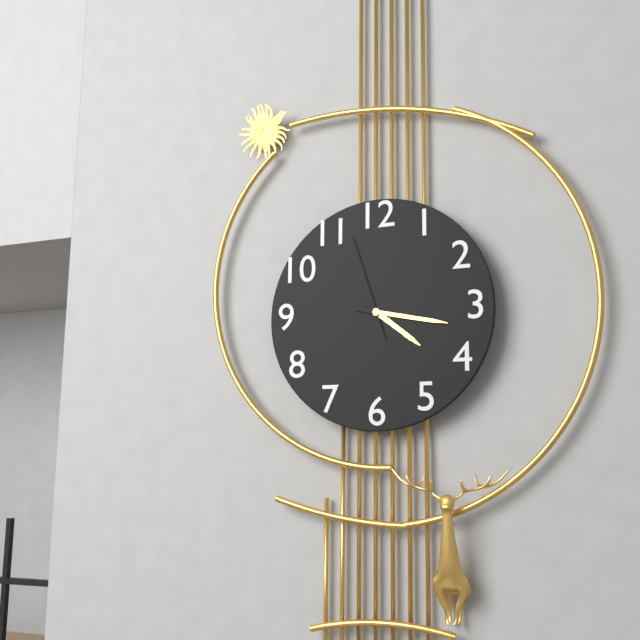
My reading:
4 h 17 min 57 s
